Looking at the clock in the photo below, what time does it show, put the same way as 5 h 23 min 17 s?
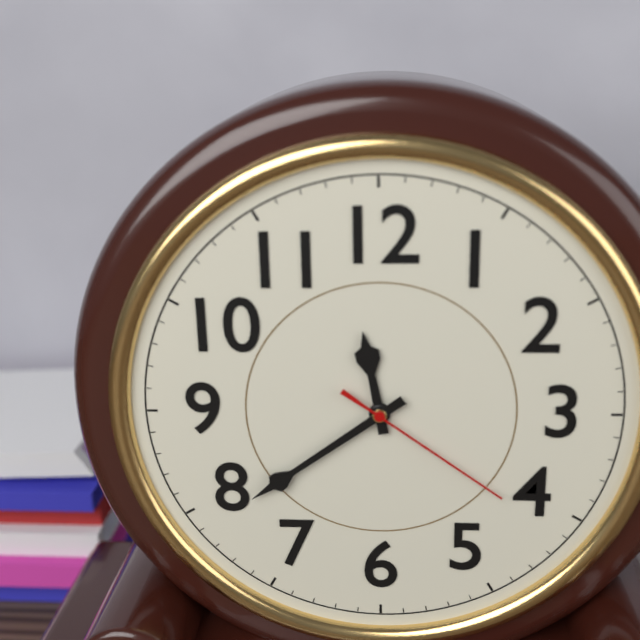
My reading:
11 h 39 min 21 s
